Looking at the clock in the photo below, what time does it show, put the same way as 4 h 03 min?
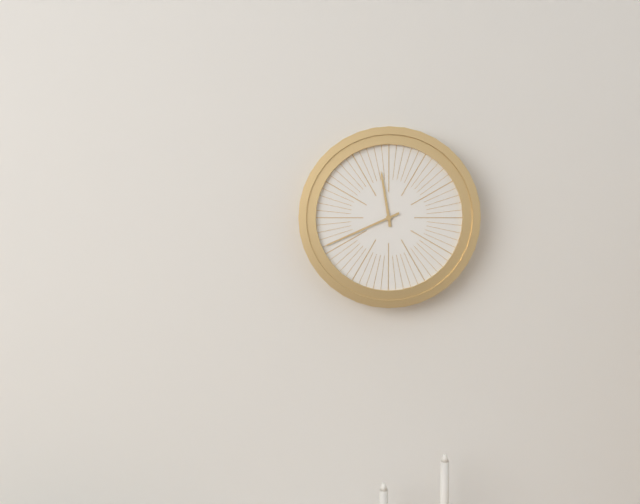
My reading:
11 h 41 min
